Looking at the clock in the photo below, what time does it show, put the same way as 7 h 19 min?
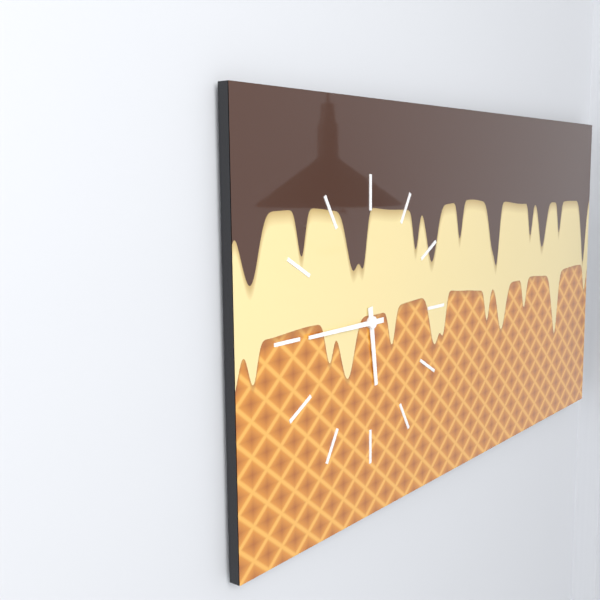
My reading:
5 h 45 min
